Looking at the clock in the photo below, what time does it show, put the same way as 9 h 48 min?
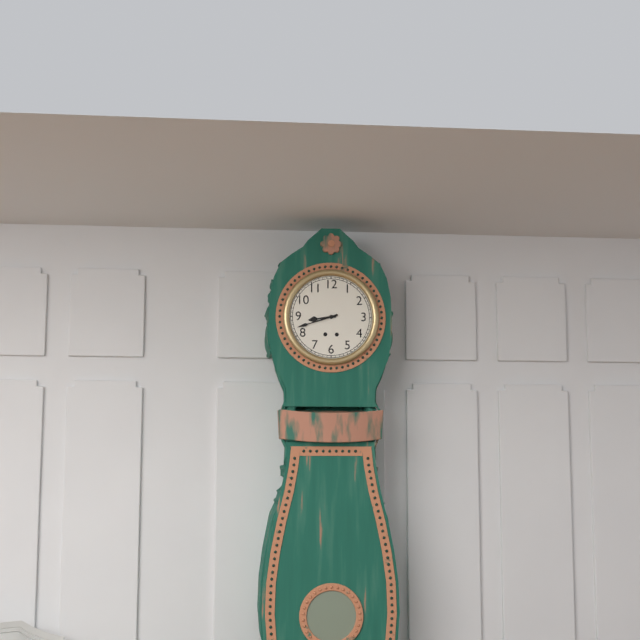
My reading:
8 h 42 min
